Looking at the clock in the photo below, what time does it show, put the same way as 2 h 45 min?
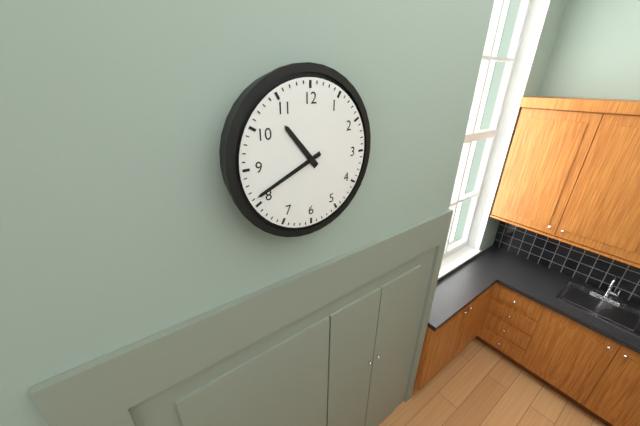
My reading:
10 h 41 min
